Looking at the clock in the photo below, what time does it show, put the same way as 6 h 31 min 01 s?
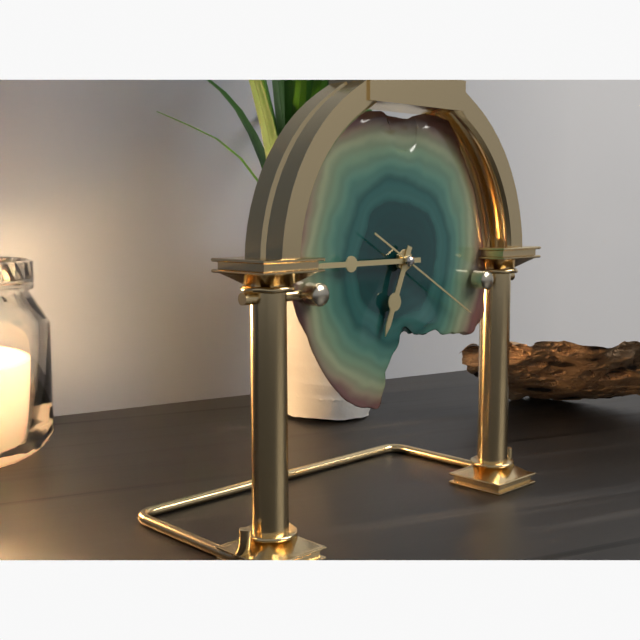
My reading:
6 h 45 min 20 s
